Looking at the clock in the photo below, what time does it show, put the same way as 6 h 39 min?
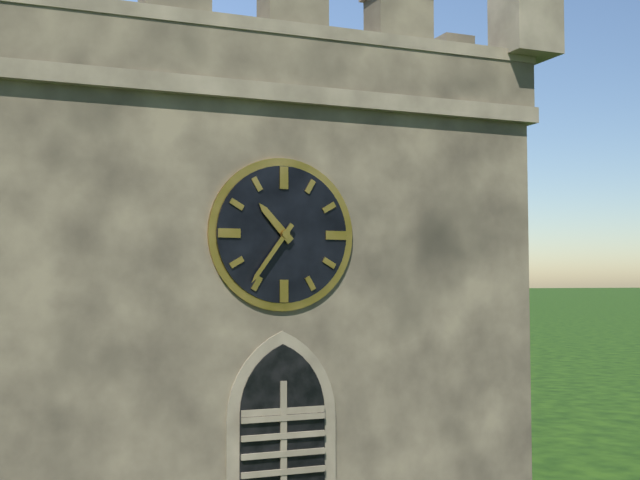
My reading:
10 h 36 min
